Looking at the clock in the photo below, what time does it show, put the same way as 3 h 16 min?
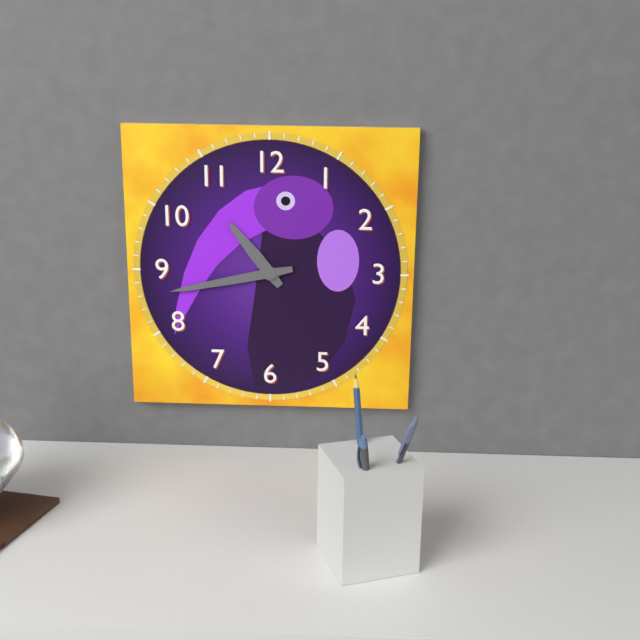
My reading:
10 h 43 min
